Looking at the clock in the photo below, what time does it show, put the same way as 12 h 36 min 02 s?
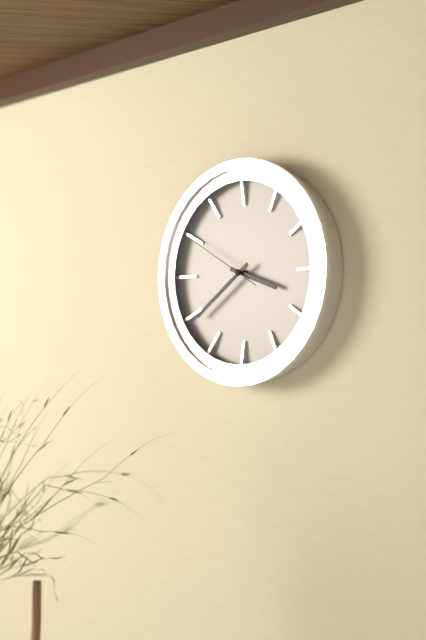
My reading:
3 h 39 min 50 s
